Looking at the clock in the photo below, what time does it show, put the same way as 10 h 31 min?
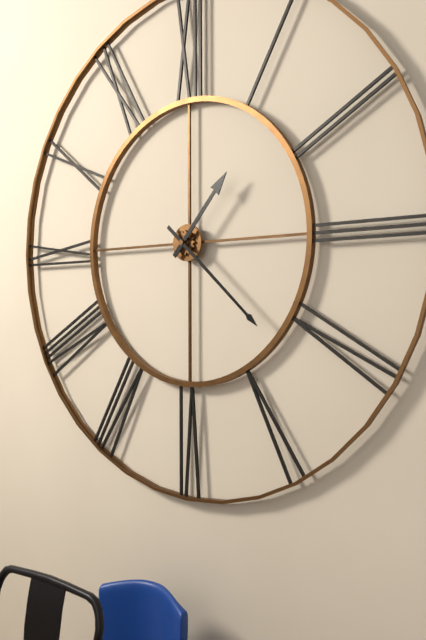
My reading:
1 h 22 min
